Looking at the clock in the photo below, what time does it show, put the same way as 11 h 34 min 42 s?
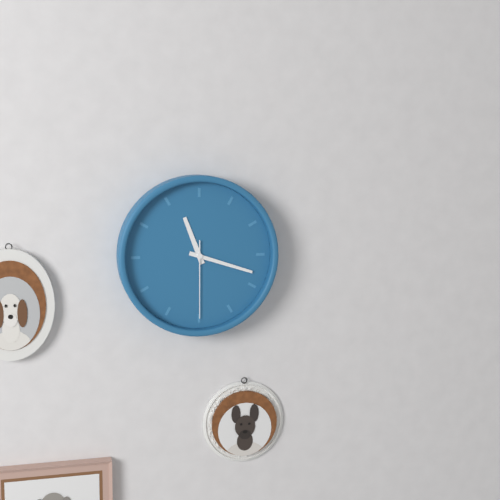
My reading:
11 h 18 min 30 s
